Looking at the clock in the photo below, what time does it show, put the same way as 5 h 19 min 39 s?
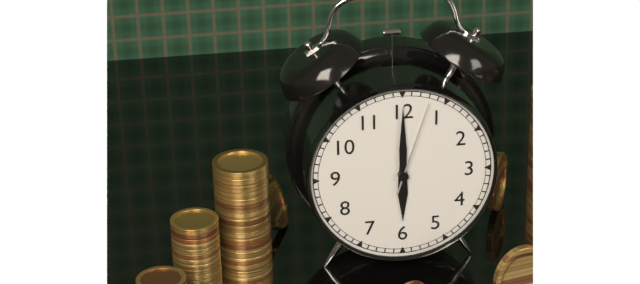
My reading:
6 h 00 min 03 s
